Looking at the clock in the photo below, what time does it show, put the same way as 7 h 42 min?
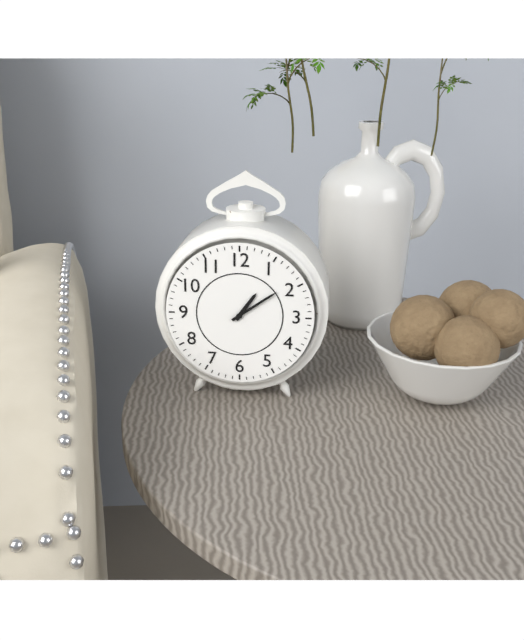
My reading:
1 h 09 min
